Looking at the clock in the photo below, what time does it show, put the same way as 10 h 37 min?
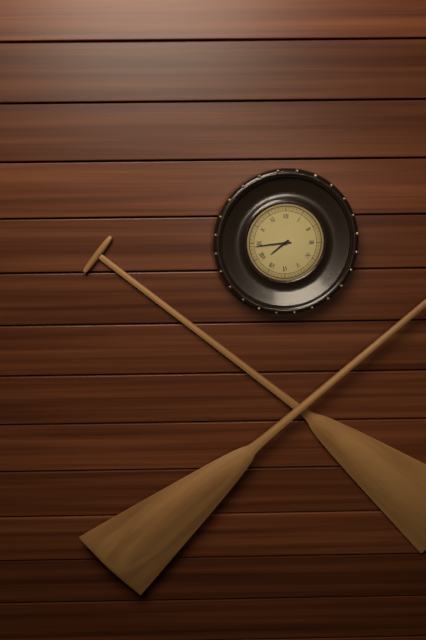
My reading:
7 h 44 min
